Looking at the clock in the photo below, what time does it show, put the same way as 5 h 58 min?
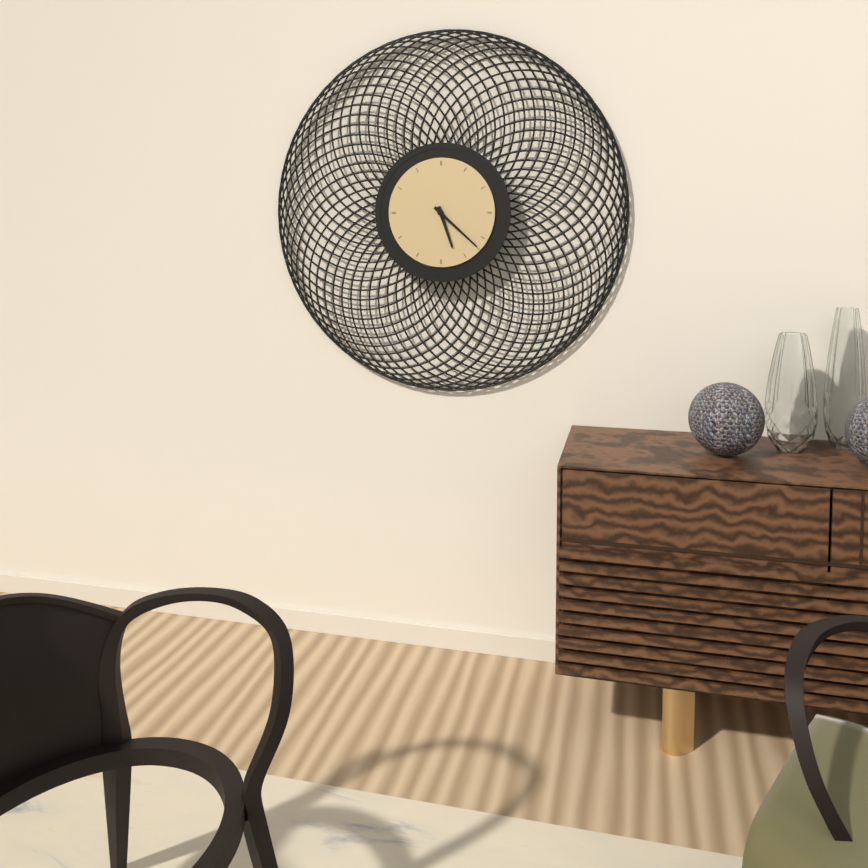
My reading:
5 h 22 min
